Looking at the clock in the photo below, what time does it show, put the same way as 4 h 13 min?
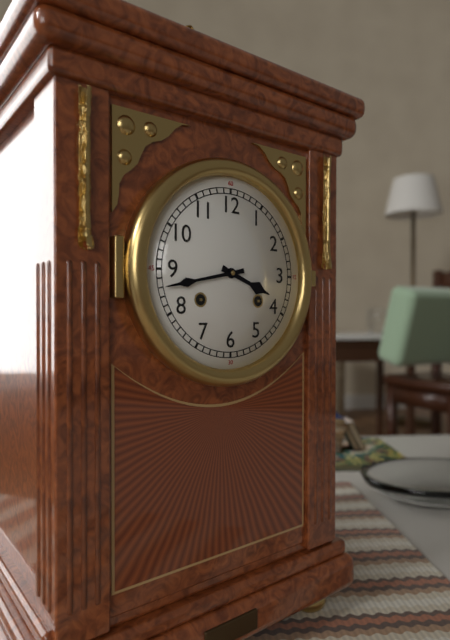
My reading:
3 h 43 min
